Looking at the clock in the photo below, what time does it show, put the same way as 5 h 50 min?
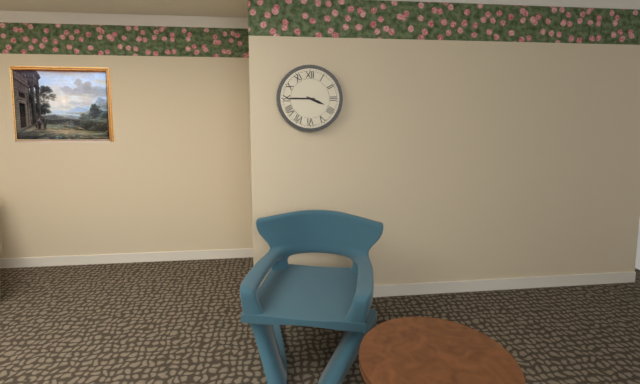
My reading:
3 h 45 min
